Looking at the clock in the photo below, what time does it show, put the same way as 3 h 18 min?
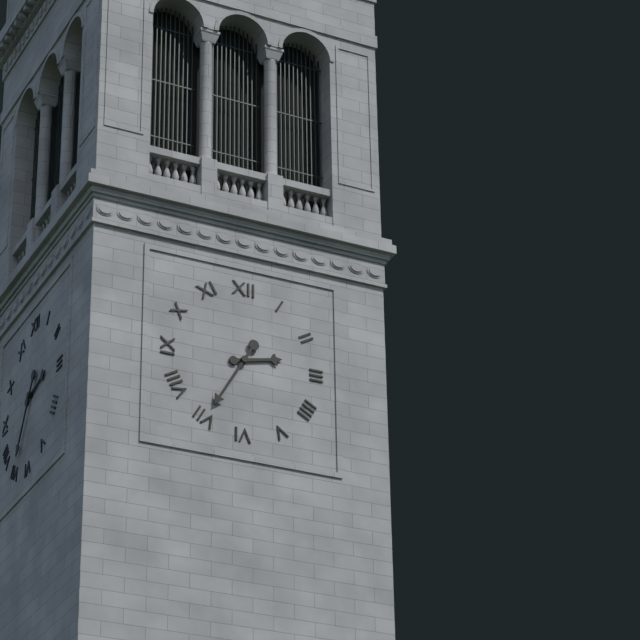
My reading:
2 h 35 min
